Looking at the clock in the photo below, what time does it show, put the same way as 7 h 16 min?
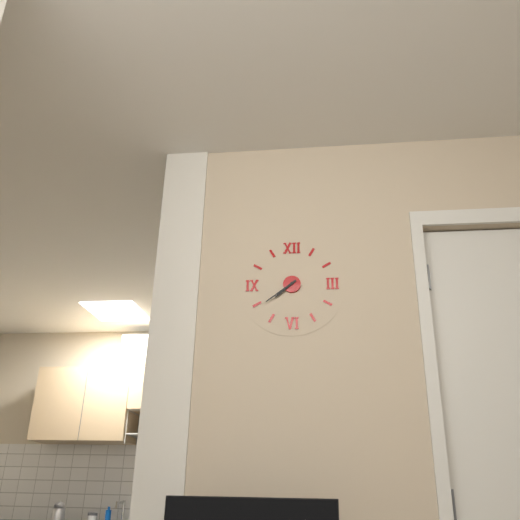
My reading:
7 h 39 min
